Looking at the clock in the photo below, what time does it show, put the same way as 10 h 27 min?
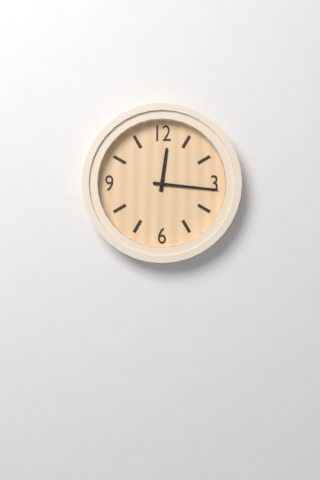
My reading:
12 h 16 min
